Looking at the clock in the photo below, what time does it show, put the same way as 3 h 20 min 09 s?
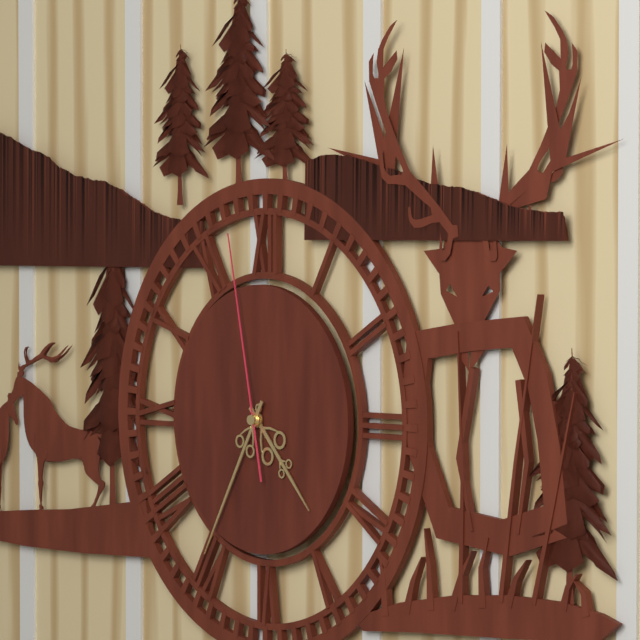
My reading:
4 h 35 min 58 s
